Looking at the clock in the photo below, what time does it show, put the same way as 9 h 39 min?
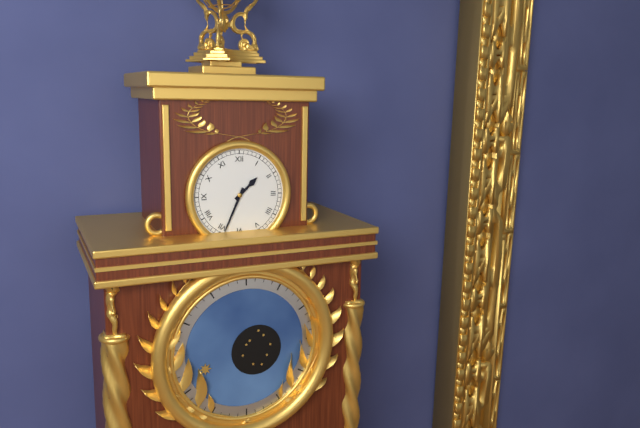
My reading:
1 h 34 min
